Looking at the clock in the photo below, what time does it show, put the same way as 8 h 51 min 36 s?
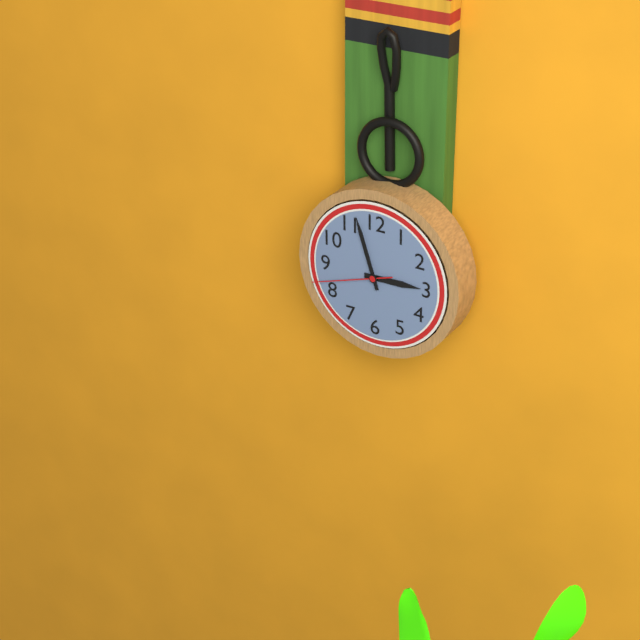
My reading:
2 h 57 min 42 s
